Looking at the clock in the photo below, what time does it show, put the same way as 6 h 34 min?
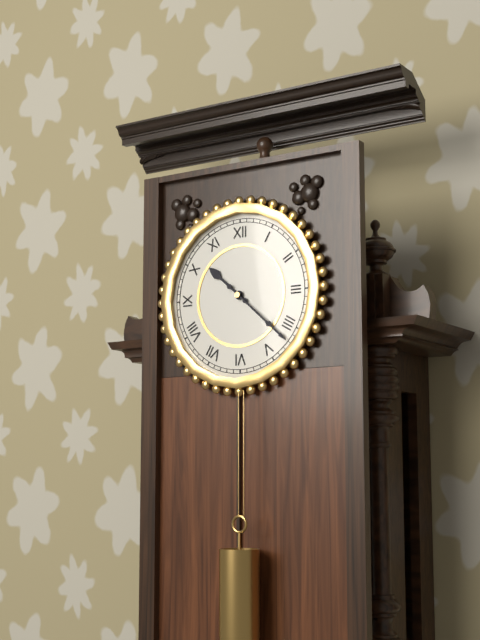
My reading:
10 h 22 min
